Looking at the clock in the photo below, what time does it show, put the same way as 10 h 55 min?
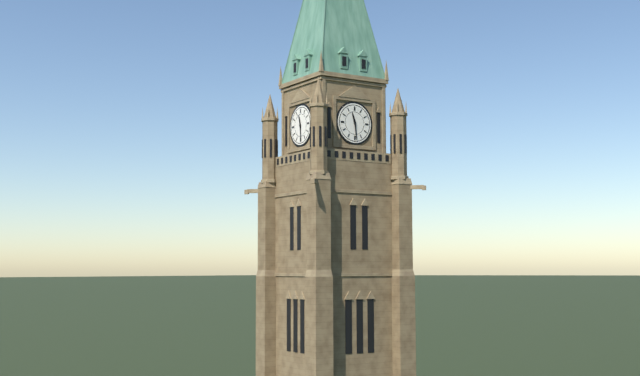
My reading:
11 h 29 min
